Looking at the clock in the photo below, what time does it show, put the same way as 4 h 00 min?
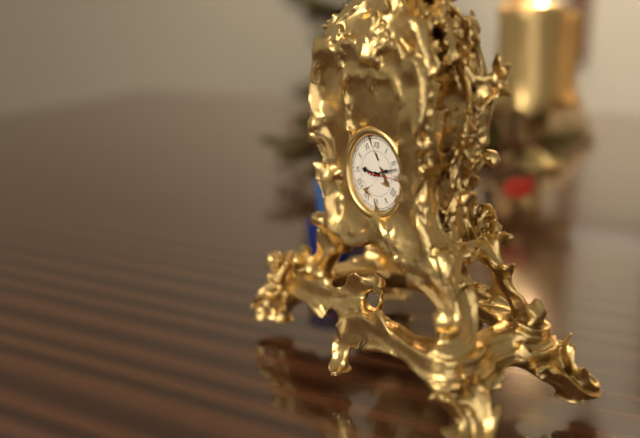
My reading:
9 h 12 min
